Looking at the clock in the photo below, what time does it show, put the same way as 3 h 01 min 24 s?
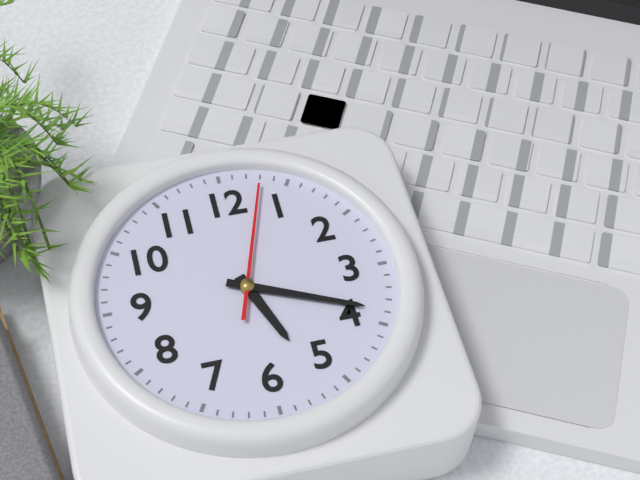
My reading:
5 h 19 min 03 s
